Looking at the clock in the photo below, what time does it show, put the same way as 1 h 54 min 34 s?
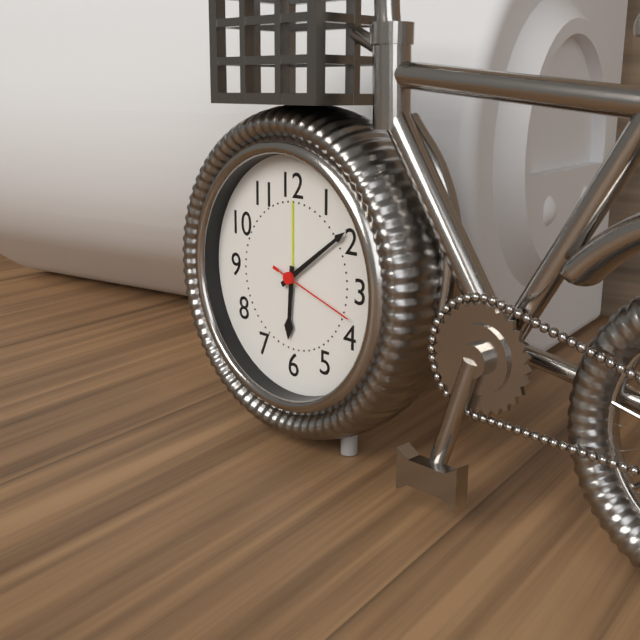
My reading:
6 h 09 min 18 s
